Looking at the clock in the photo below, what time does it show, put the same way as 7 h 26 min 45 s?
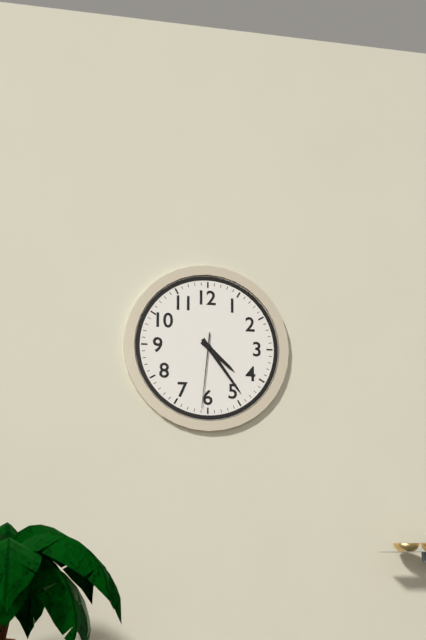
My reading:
4 h 24 min 31 s
